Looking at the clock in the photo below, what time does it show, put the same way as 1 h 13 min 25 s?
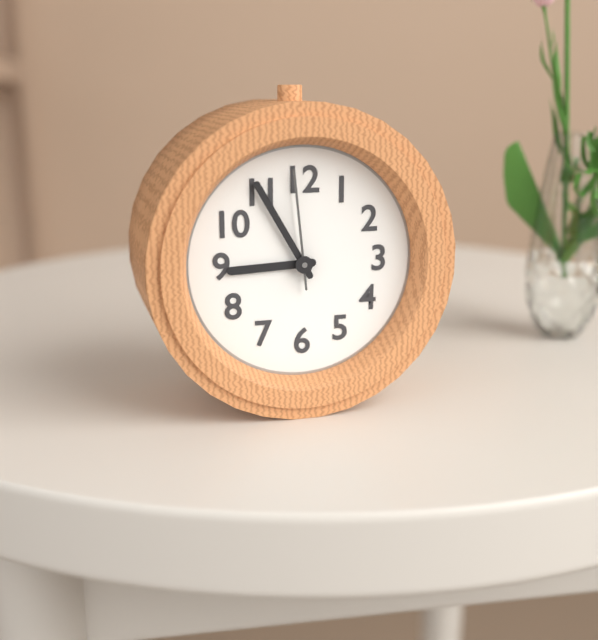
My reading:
8 h 55 min 59 s
